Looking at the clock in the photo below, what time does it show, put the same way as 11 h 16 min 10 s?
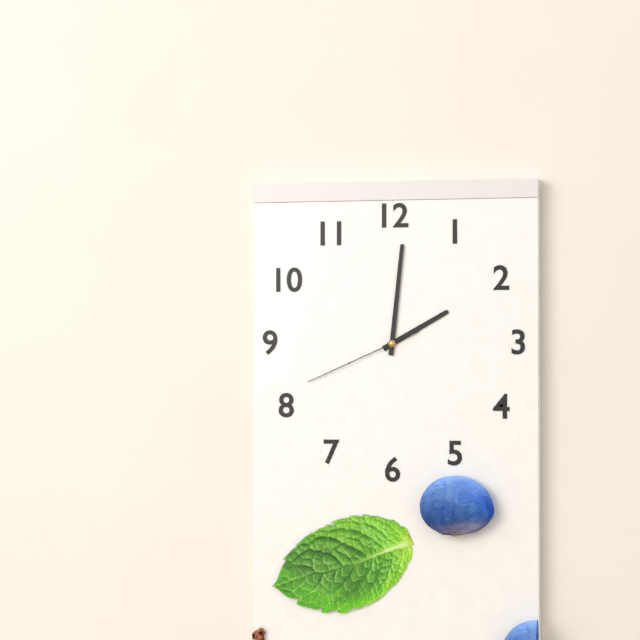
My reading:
2 h 01 min 41 s
